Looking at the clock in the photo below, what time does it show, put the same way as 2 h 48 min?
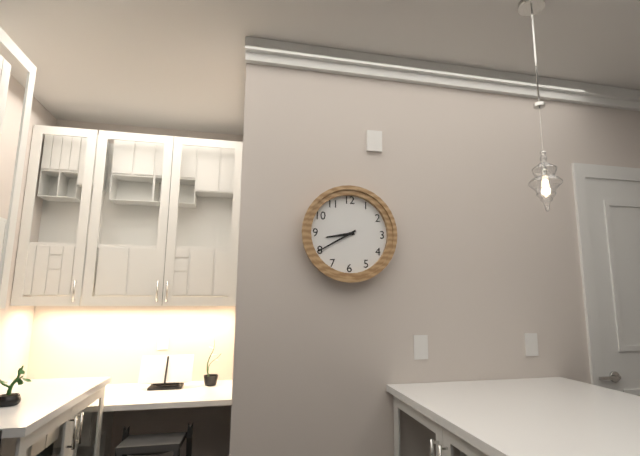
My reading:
8 h 40 min
